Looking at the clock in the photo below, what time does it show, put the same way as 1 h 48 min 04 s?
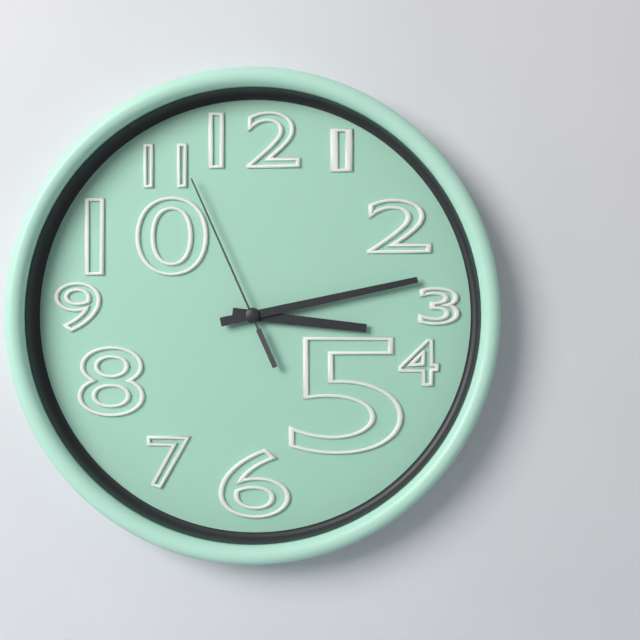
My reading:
3 h 13 min 56 s
